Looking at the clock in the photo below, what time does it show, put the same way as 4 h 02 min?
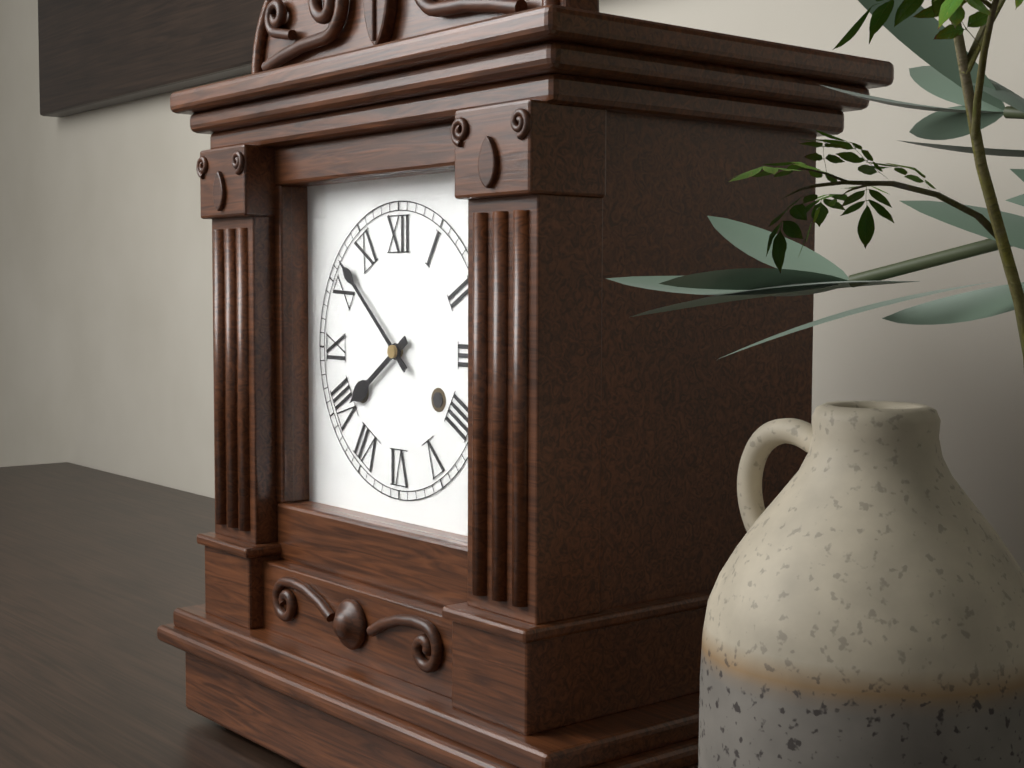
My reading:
7 h 52 min
